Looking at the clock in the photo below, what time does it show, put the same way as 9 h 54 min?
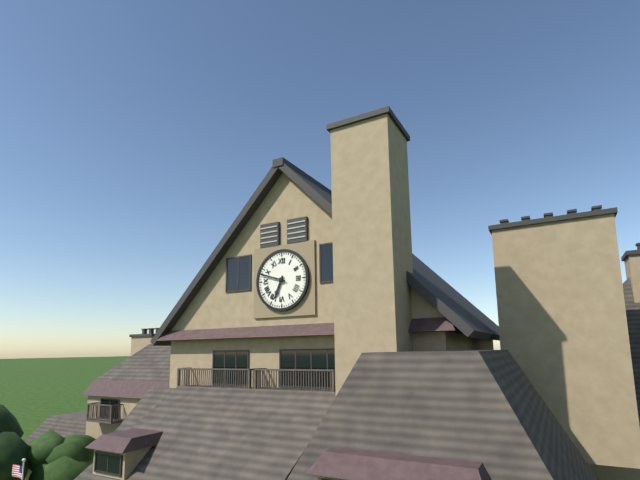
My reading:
6 h 48 min
